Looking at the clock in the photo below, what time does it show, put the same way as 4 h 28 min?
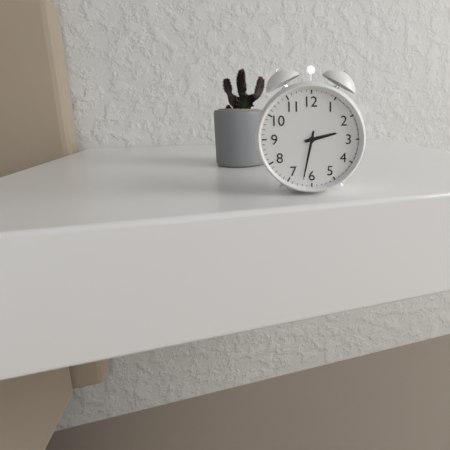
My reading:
2 h 32 min
